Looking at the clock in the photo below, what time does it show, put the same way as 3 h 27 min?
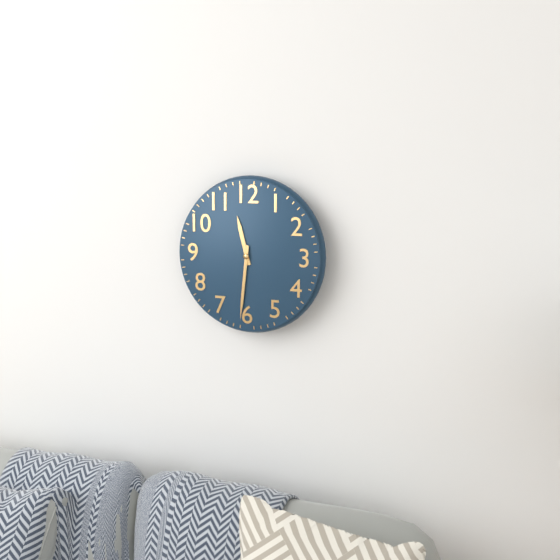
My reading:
11 h 31 min
